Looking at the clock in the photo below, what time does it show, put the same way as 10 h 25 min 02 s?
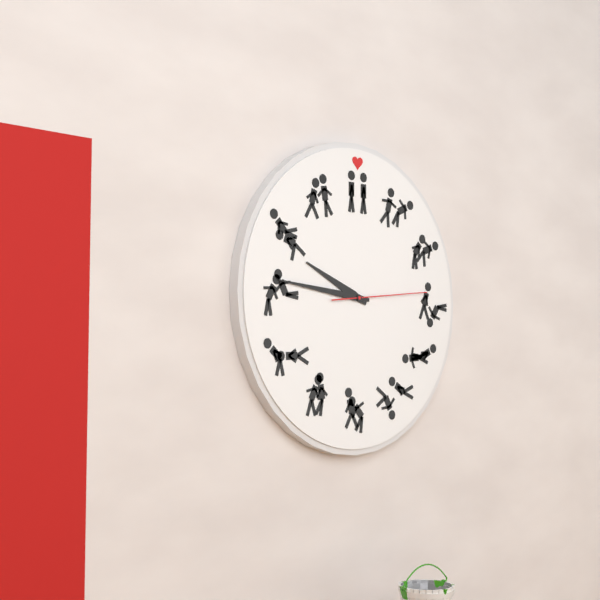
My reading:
9 h 46 min 14 s
